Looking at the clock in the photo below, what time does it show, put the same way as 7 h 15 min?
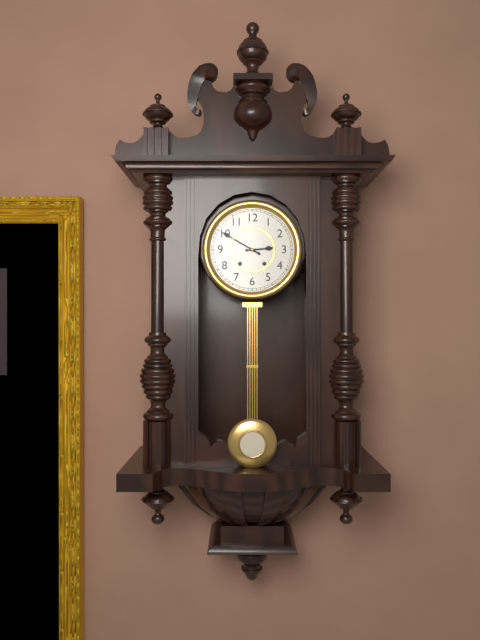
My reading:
2 h 50 min
